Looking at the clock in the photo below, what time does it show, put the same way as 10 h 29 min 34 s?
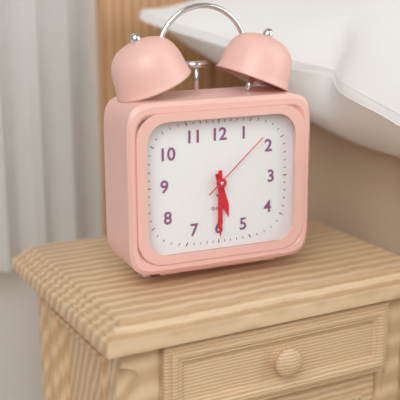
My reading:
5 h 30 min 08 s
